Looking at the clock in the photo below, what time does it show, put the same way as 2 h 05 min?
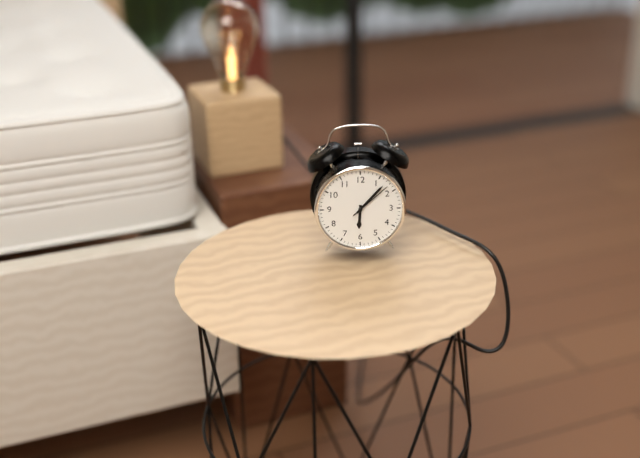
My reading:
6 h 07 min
